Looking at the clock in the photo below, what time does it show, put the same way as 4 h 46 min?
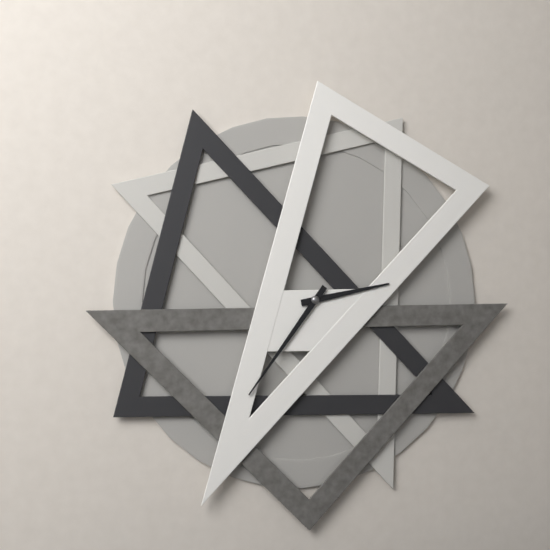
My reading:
2 h 36 min
